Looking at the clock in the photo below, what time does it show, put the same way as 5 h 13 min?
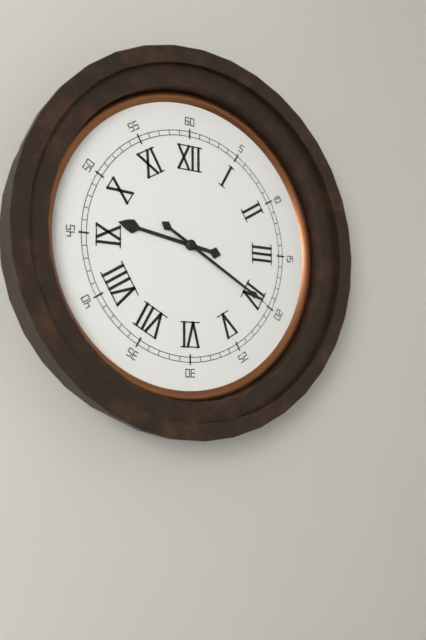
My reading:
9 h 20 min
